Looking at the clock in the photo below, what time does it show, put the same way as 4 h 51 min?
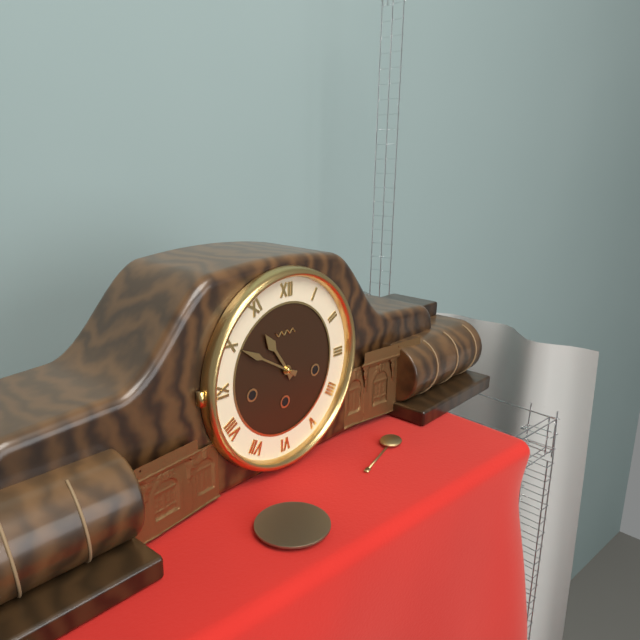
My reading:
10 h 50 min
